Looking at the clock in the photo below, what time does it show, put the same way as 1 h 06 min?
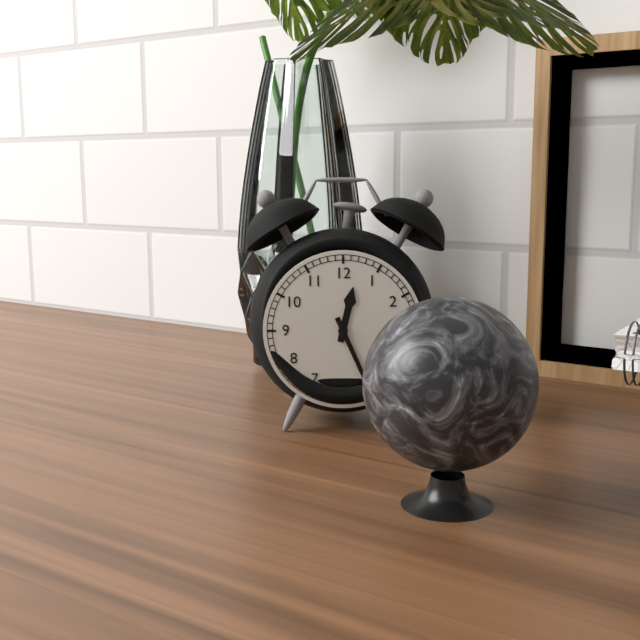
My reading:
12 h 26 min
